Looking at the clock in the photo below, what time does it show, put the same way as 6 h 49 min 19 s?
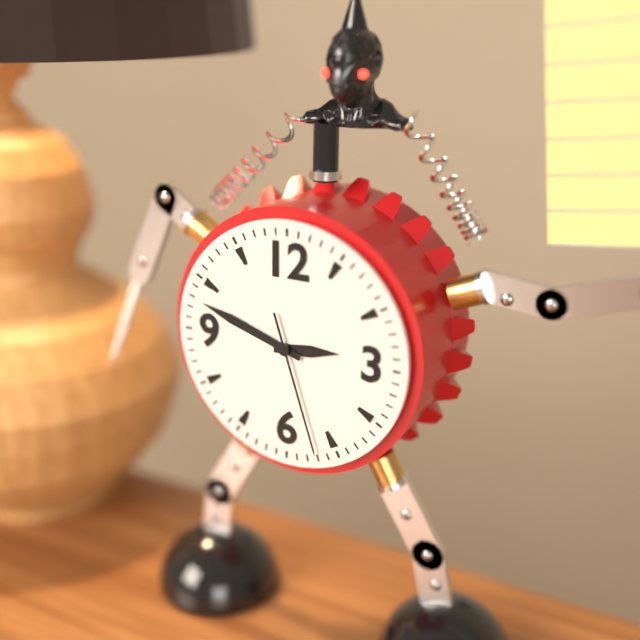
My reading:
2 h 48 min 27 s
